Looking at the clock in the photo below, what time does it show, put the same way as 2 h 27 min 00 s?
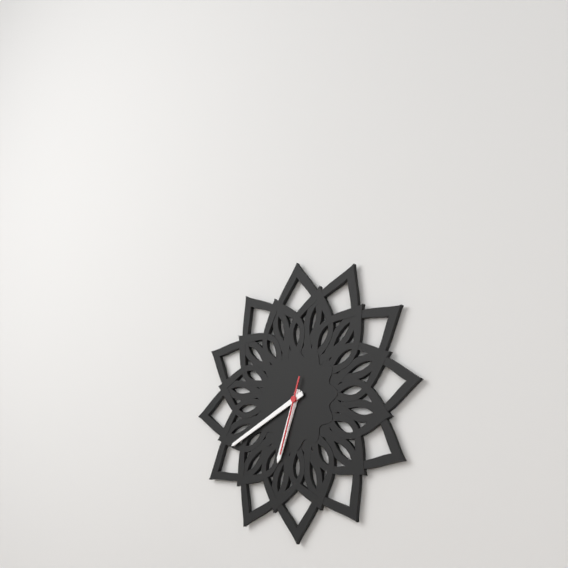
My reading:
6 h 41 min 33 s
